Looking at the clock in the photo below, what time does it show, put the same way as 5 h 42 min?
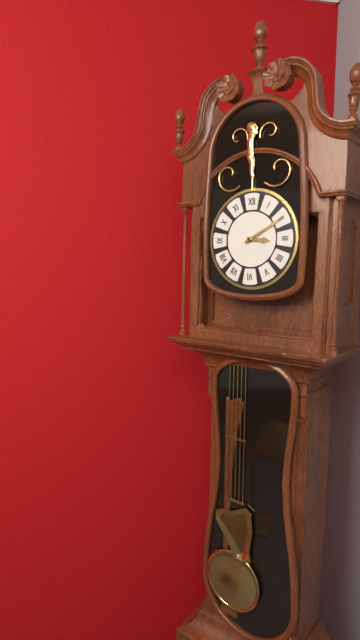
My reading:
3 h 10 min
